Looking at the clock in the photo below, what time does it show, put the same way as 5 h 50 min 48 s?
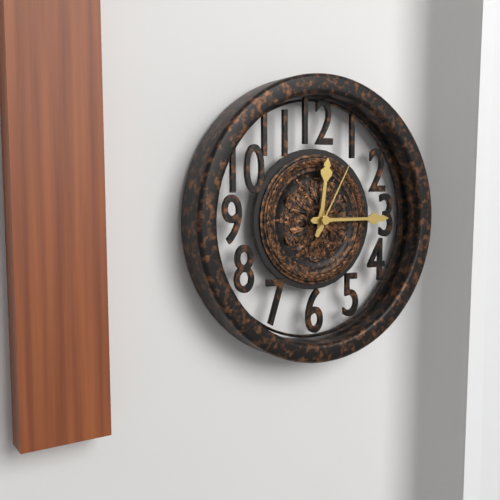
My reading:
12 h 15 min 05 s
